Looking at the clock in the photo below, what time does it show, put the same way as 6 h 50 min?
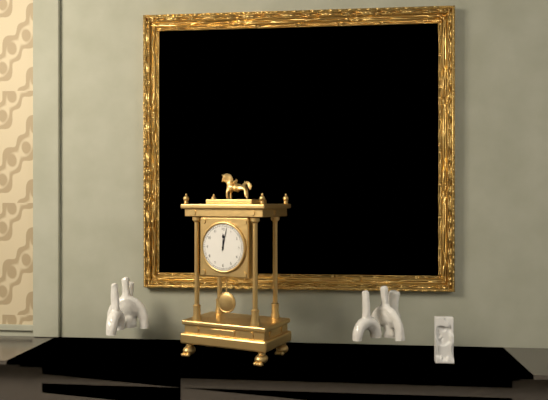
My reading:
12 h 02 min
